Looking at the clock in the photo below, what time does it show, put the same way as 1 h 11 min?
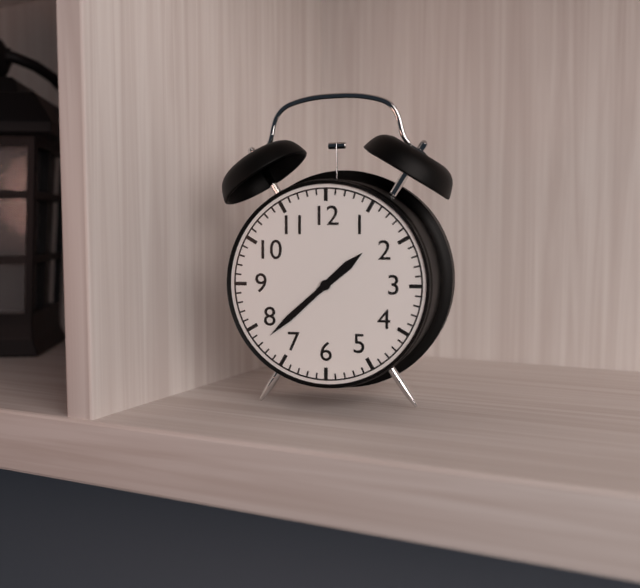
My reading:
1 h 38 min
